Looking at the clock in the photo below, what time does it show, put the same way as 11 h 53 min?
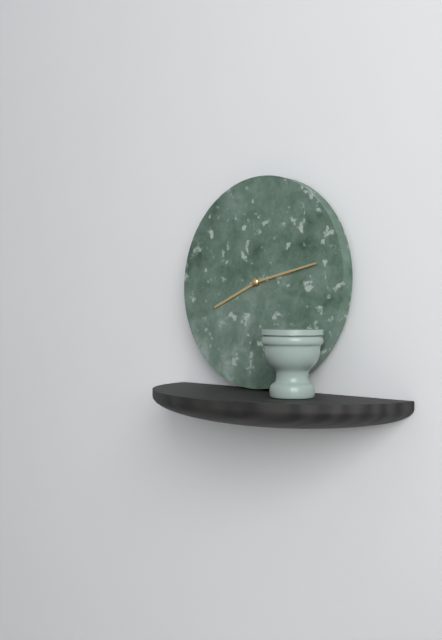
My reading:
8 h 13 min
